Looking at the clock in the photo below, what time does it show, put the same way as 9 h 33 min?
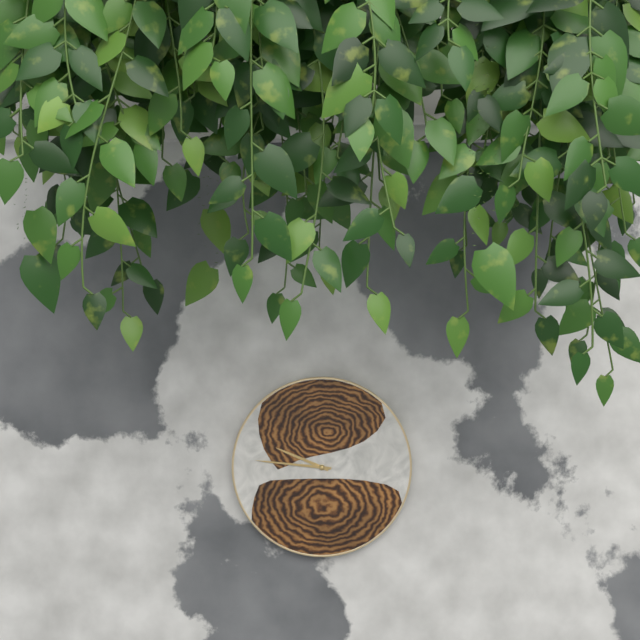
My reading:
9 h 46 min
